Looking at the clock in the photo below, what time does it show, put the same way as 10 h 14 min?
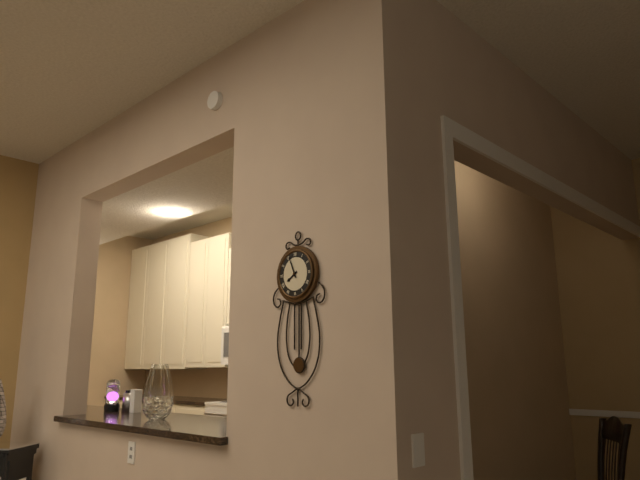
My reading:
7 h 56 min
